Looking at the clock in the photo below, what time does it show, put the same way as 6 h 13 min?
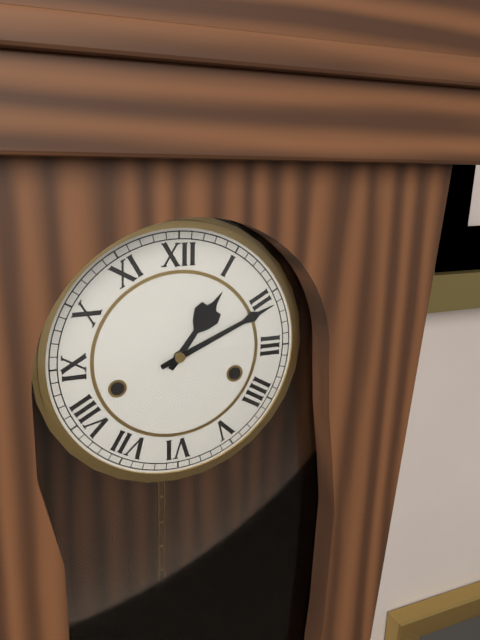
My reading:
1 h 11 min
